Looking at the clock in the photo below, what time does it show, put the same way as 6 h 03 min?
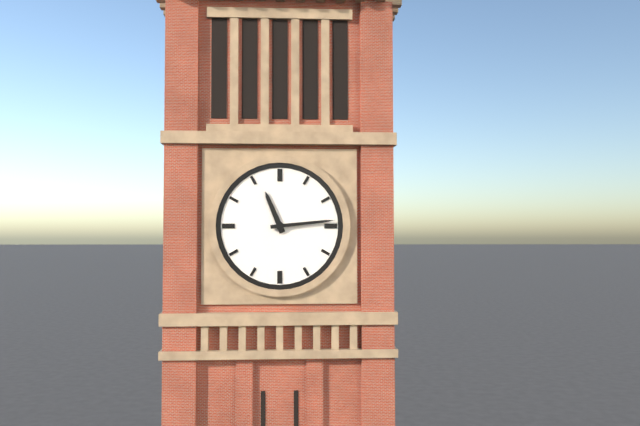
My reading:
11 h 14 min
